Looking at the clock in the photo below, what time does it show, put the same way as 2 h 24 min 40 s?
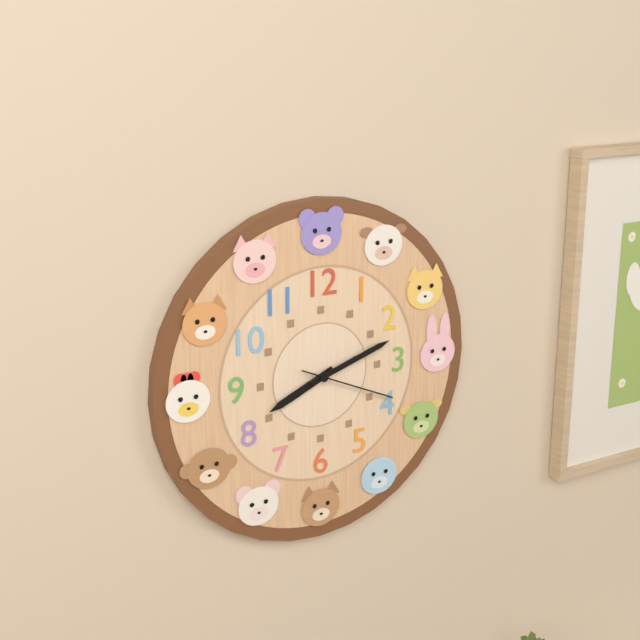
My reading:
8 h 12 min 19 s
